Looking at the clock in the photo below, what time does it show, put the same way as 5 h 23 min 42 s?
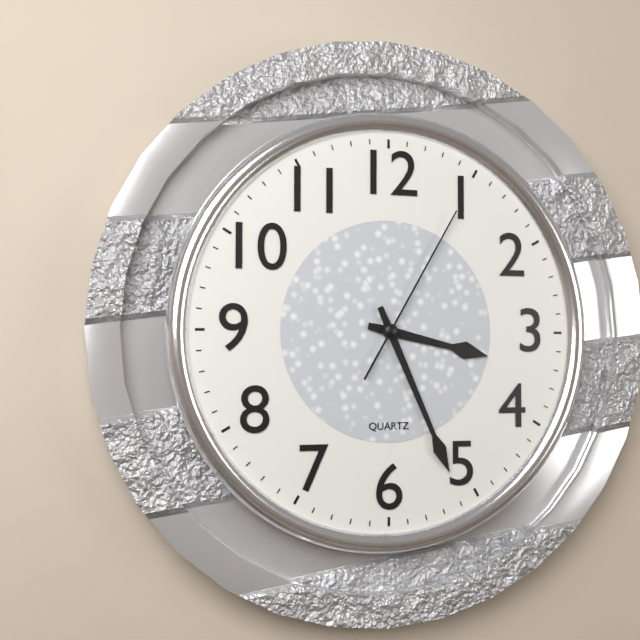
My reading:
3 h 26 min 05 s
